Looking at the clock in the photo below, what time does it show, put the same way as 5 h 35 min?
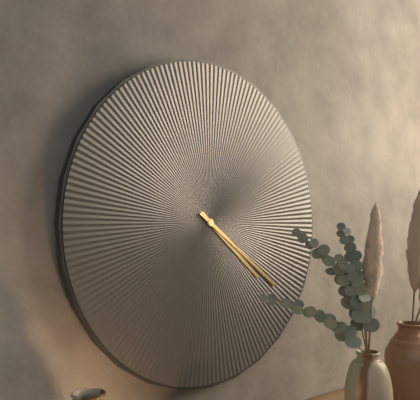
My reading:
4 h 21 min
